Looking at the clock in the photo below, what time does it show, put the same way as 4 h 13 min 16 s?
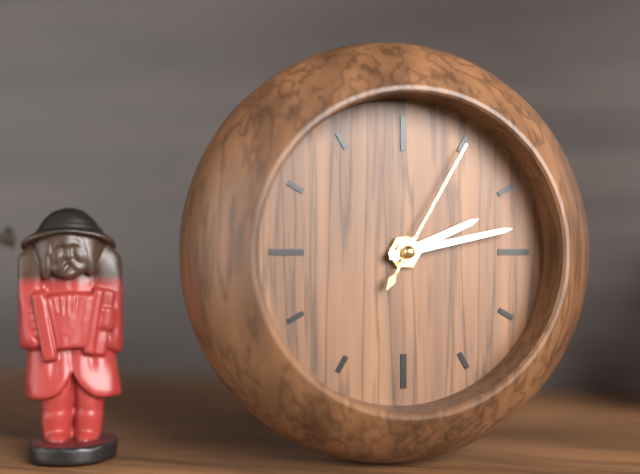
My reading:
2 h 13 min 05 s
